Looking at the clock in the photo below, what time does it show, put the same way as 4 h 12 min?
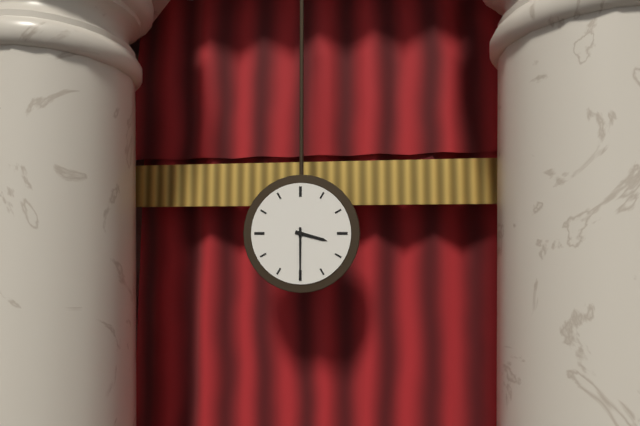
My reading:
3 h 30 min
